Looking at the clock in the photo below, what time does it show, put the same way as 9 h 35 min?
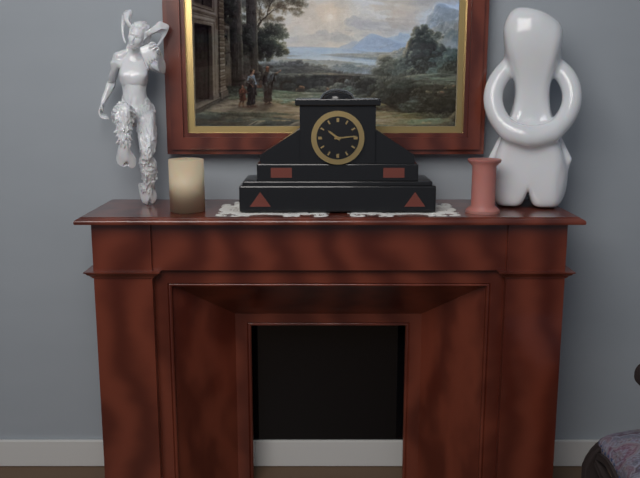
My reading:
10 h 14 min
